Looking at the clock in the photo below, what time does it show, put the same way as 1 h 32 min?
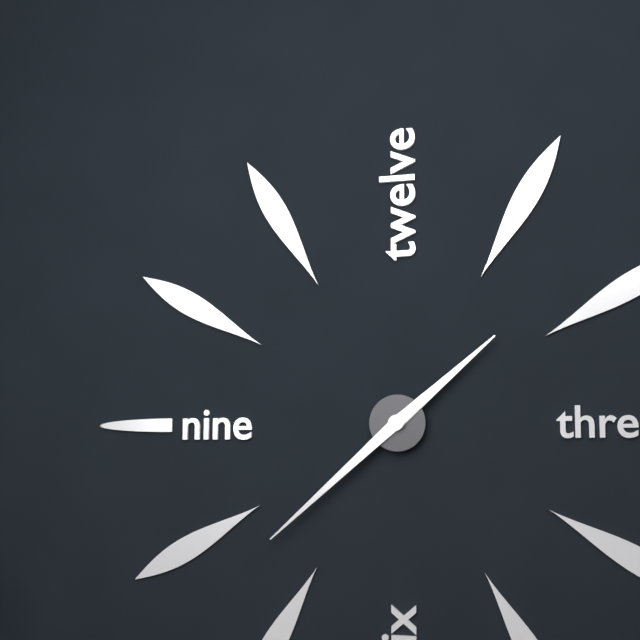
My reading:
1 h 38 min
